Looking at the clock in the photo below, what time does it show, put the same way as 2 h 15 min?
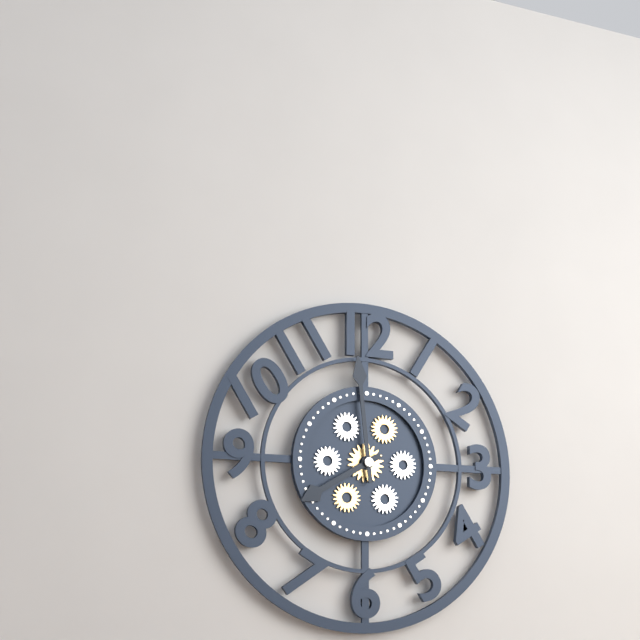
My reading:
7 h 59 min
